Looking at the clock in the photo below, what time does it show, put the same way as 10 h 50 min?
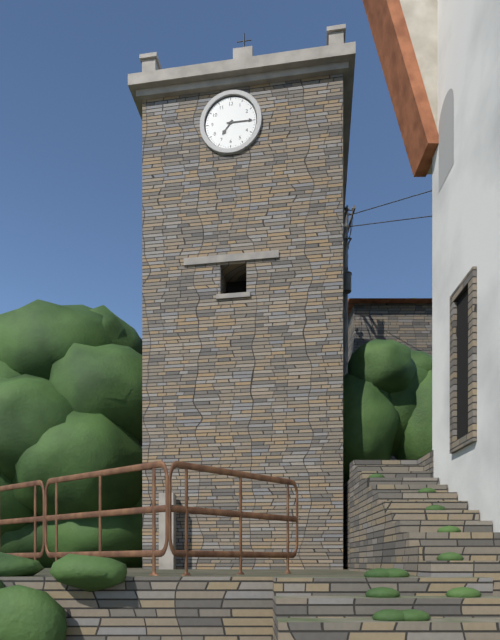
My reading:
7 h 15 min
